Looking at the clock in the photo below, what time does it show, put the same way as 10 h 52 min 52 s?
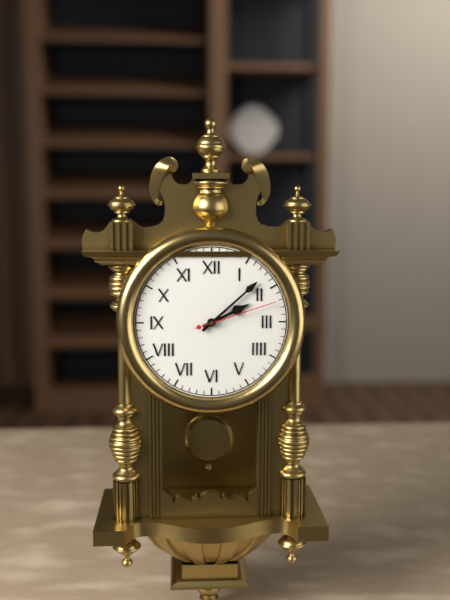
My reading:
2 h 08 min 12 s
